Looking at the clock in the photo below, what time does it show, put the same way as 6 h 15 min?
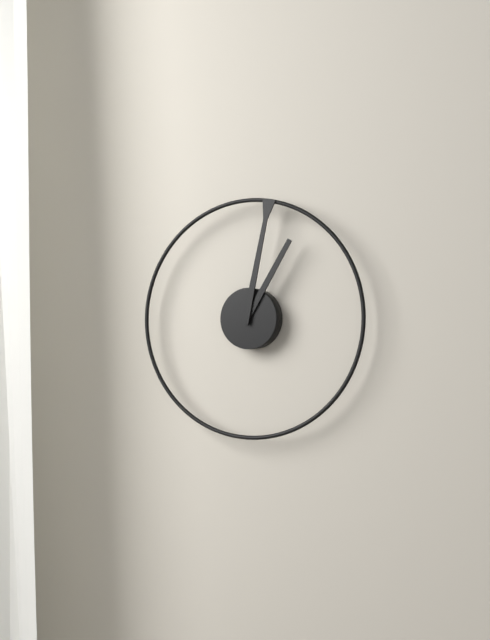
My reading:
1 h 02 min
